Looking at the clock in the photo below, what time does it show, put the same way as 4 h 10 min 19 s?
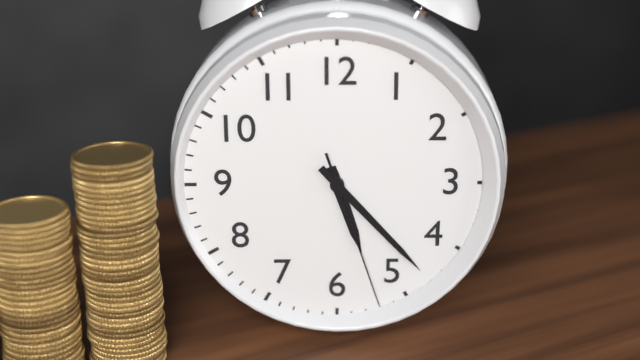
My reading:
5 h 23 min 27 s
